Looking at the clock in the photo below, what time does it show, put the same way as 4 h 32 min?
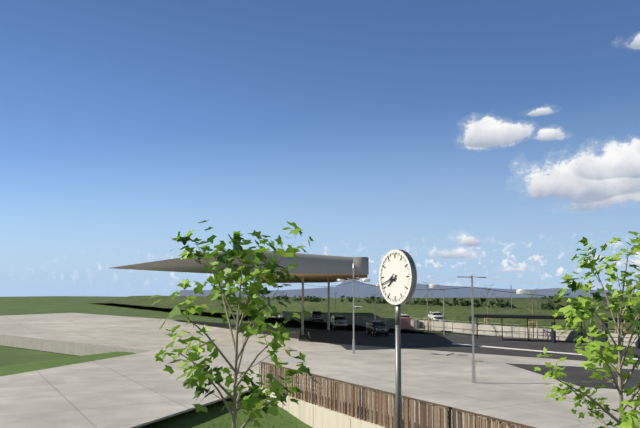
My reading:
7 h 42 min
